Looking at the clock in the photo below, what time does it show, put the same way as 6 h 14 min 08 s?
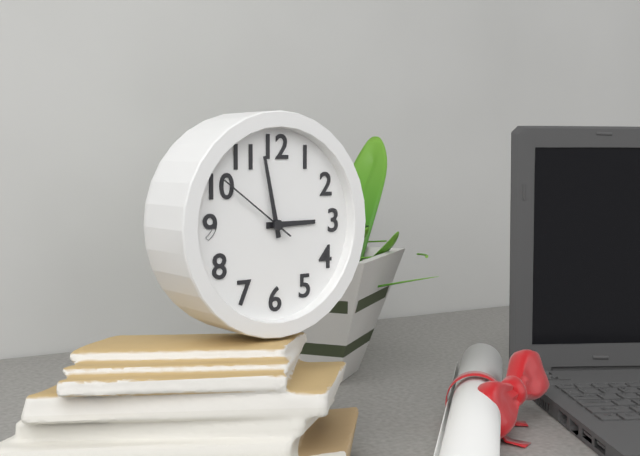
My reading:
2 h 58 min 51 s
